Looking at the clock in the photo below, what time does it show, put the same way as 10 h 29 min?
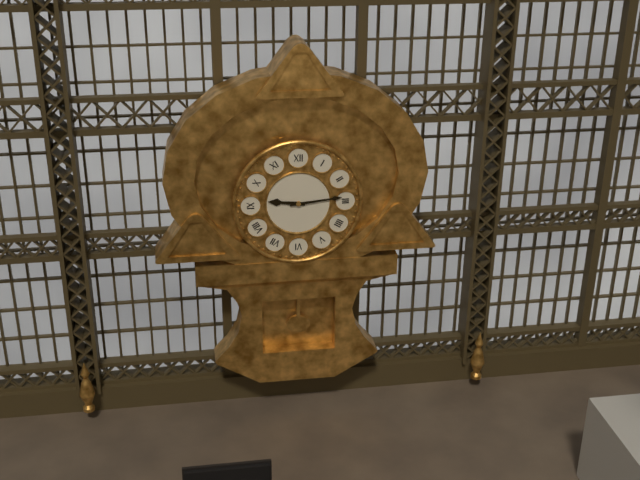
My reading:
9 h 14 min
